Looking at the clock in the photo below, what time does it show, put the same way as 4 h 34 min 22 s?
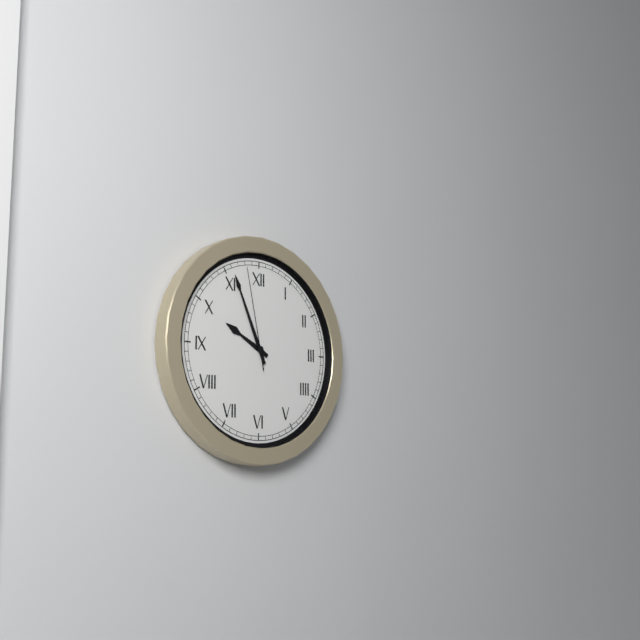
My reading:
9 h 56 min 58 s
